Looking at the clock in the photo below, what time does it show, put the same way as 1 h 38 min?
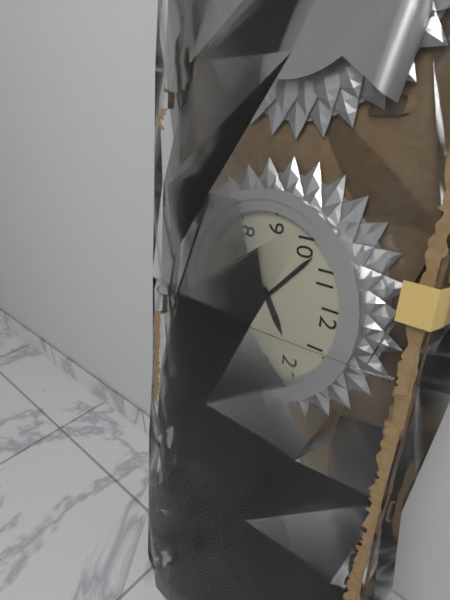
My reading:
1 h 52 min
